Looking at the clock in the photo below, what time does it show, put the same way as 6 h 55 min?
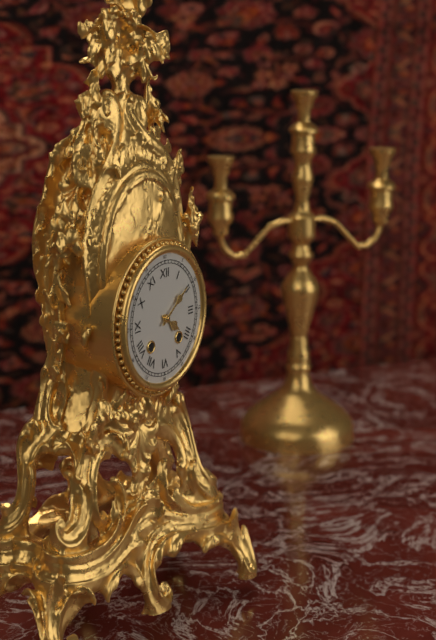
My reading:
4 h 09 min
